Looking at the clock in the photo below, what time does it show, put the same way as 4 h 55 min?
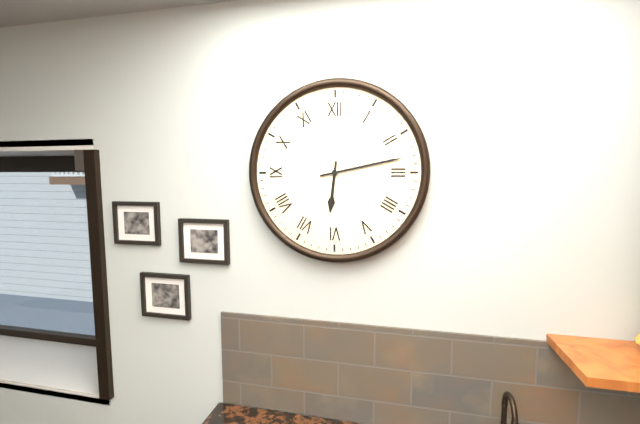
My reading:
6 h 13 min
